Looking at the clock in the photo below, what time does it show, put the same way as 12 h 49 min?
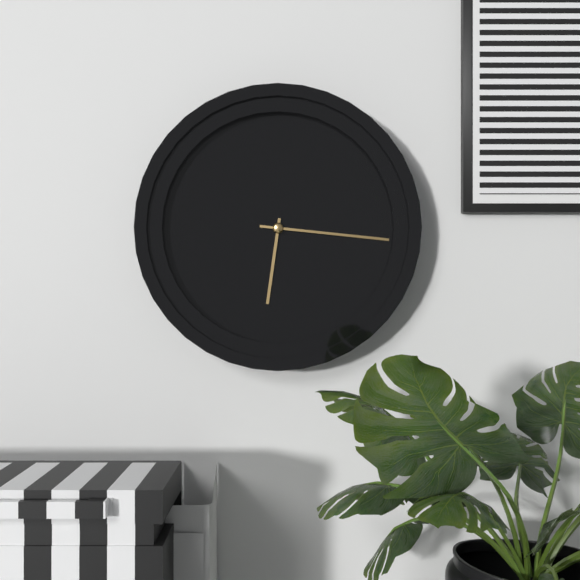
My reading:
6 h 16 min
